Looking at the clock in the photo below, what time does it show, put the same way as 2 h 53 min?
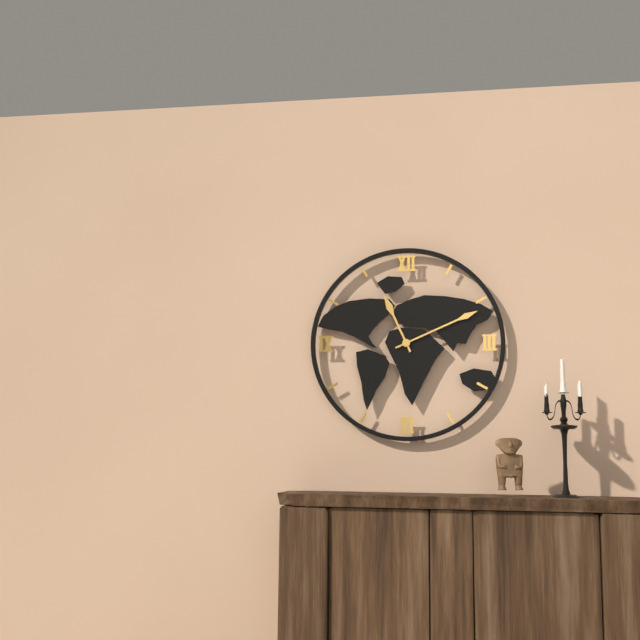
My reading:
11 h 11 min
